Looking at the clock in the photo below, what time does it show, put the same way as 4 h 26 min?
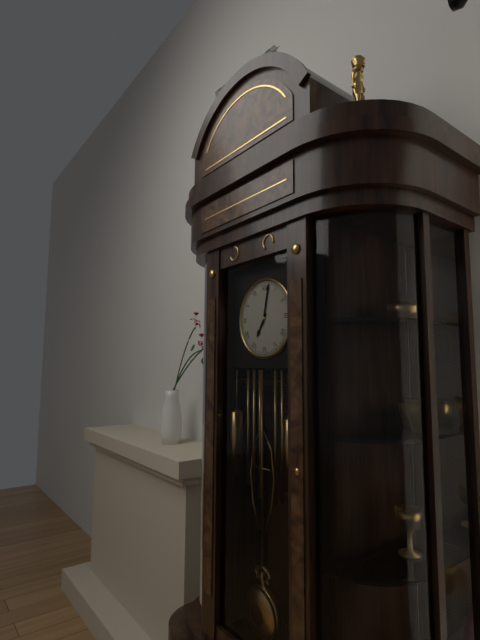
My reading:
7 h 02 min
